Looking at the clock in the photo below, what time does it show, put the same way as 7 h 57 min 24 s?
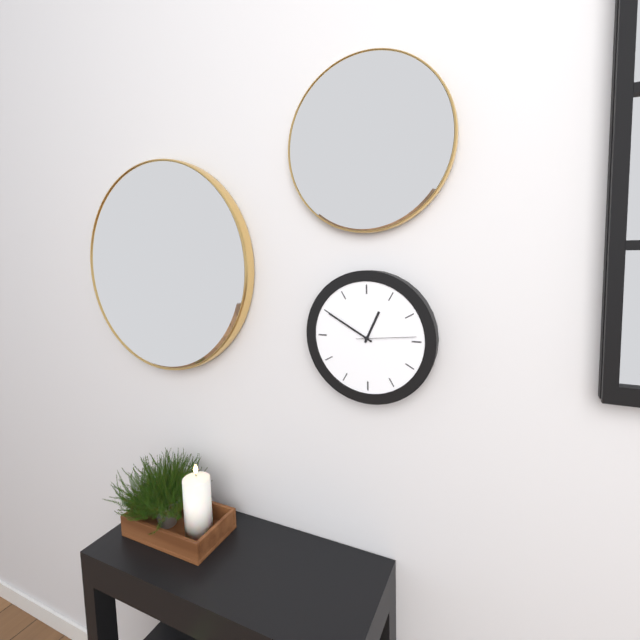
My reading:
12 h 50 min 14 s
